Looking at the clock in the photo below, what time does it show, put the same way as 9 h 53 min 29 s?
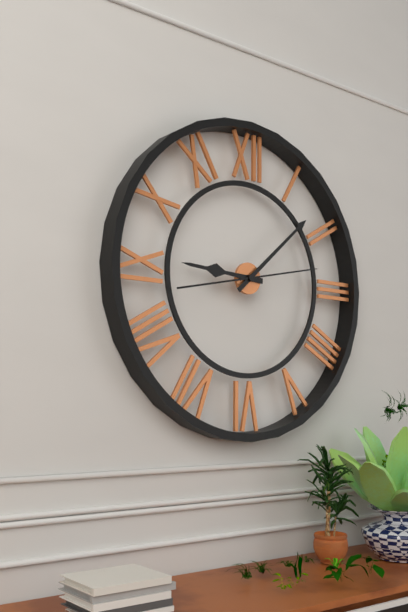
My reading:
9 h 08 min 13 s
